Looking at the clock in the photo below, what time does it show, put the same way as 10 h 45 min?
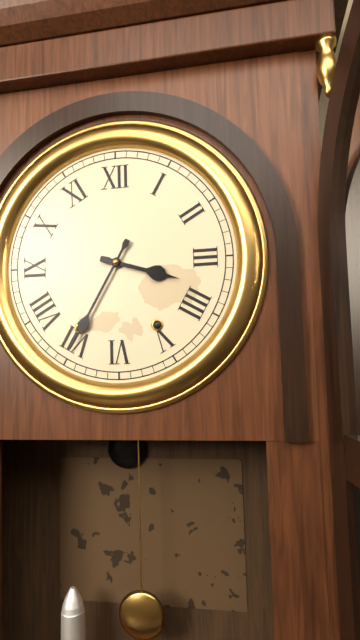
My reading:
3 h 35 min
